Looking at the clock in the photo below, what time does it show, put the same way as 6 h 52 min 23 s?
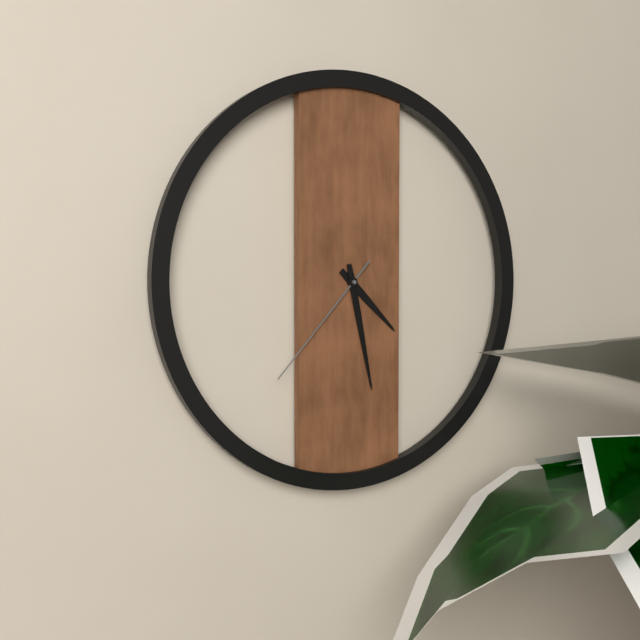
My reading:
4 h 28 min 37 s
